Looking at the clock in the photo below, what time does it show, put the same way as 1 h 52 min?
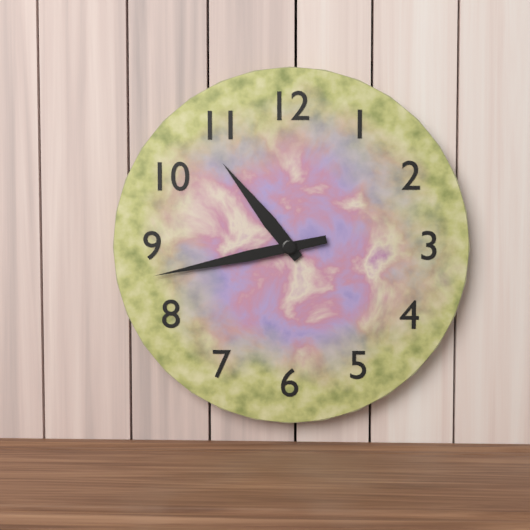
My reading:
10 h 43 min
